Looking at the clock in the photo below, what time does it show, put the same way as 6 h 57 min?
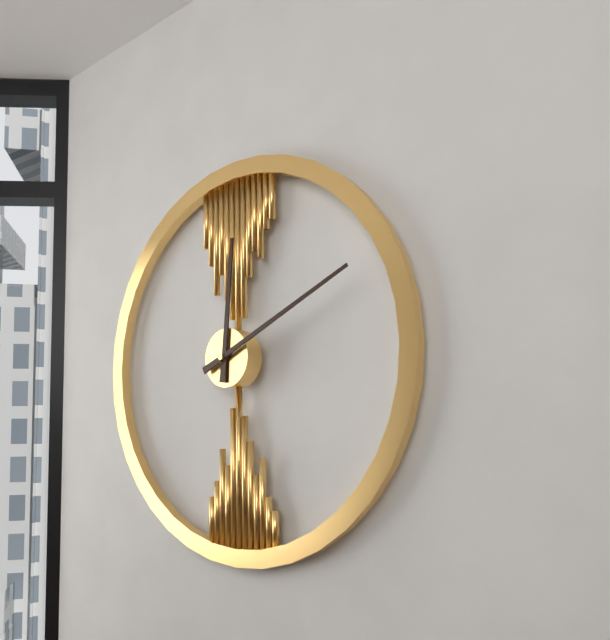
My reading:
12 h 11 min
